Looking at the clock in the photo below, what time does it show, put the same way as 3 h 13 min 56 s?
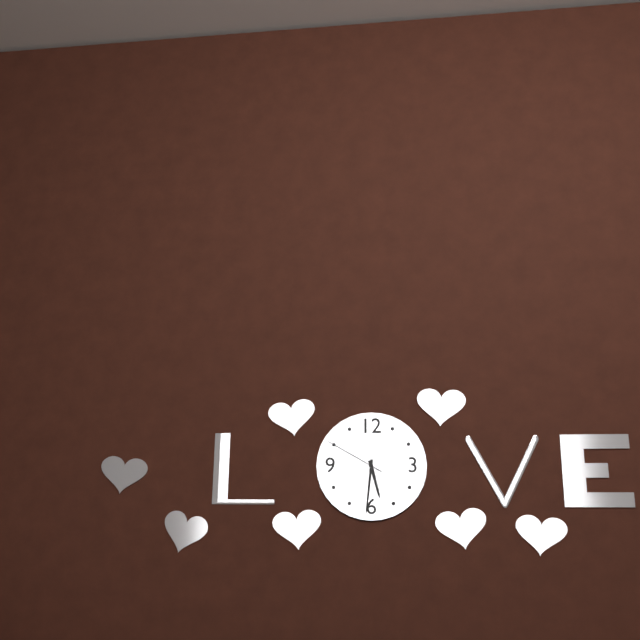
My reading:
5 h 31 min 50 s
